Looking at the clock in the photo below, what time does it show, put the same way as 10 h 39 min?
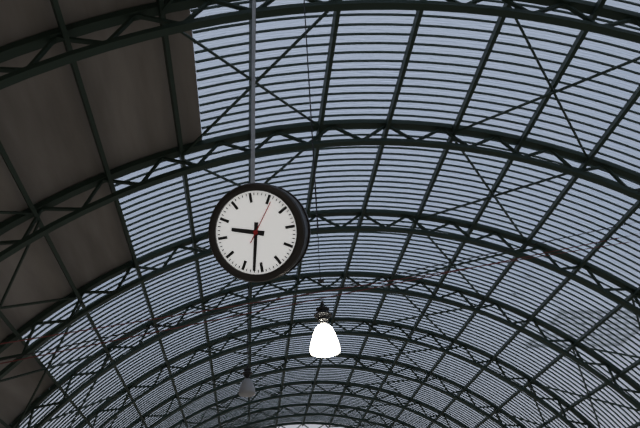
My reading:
9 h 32 min
